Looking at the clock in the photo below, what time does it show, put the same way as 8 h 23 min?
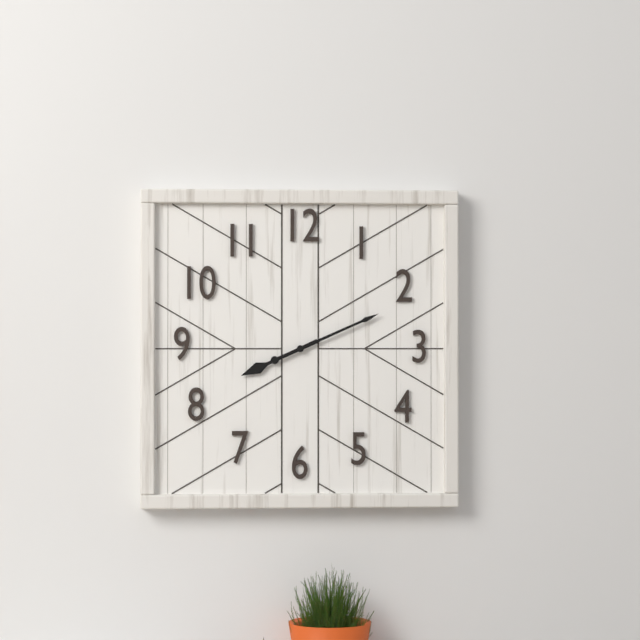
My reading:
8 h 11 min
